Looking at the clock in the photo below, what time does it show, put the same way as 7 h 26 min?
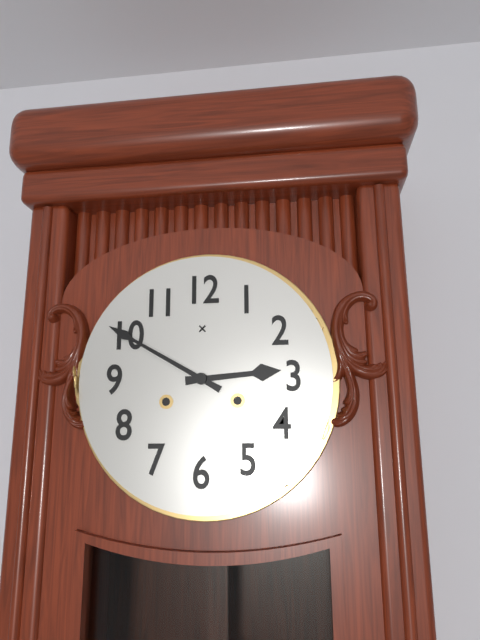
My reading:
2 h 50 min
